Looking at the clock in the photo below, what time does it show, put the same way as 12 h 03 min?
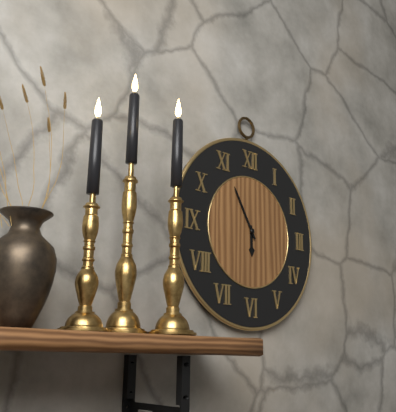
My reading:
5 h 55 min
